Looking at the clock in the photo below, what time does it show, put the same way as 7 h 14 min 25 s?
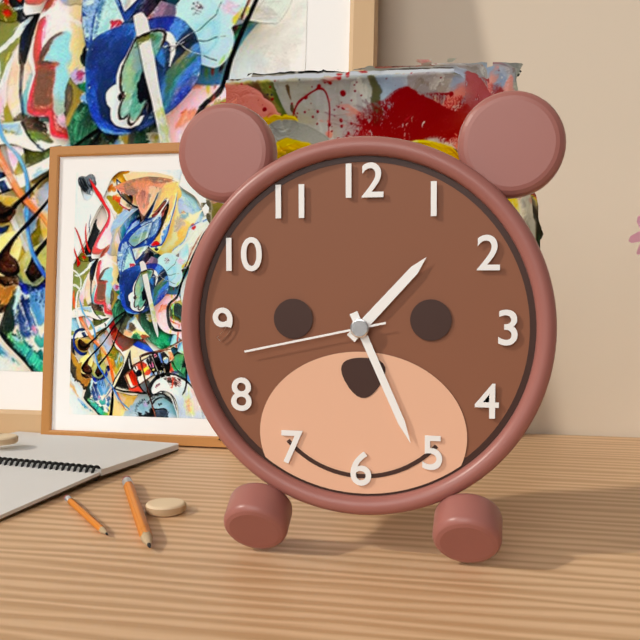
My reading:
1 h 26 min 43 s
